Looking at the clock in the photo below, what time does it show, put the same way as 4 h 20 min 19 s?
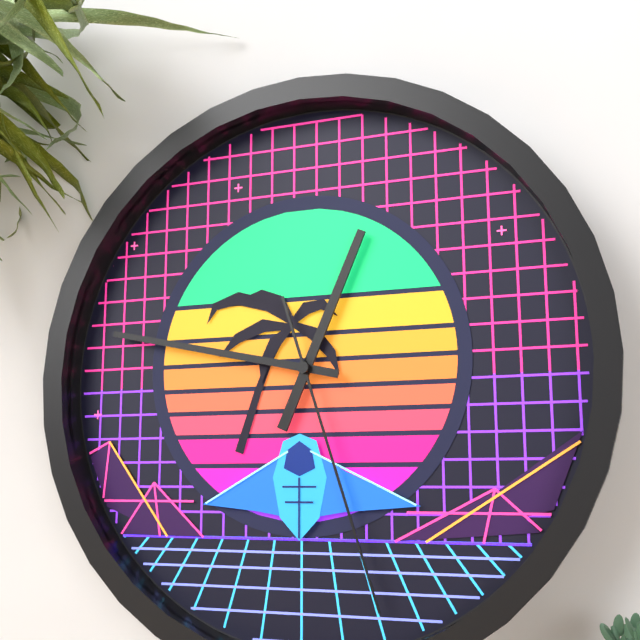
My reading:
12 h 47 min 27 s
